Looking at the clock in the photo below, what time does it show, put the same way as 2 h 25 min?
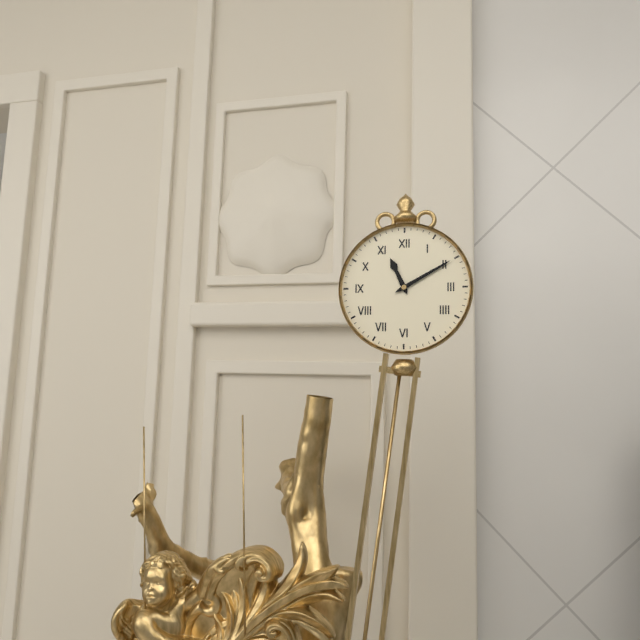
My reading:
11 h 10 min
